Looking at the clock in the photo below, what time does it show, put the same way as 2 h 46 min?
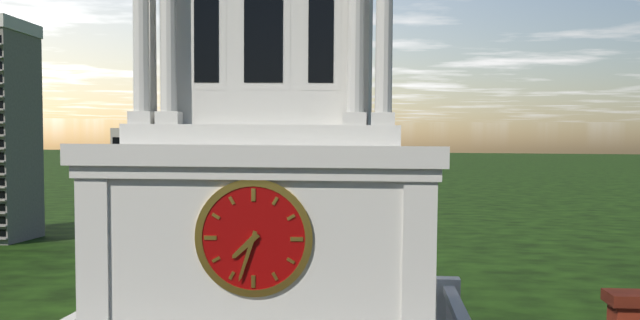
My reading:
7 h 33 min
